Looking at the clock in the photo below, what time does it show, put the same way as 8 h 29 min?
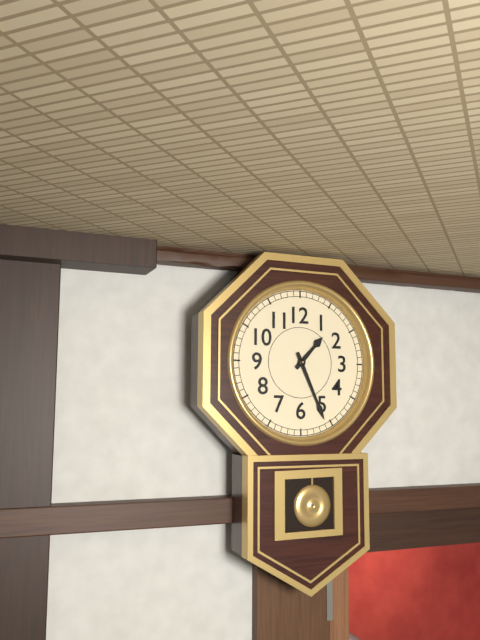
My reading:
1 h 26 min
